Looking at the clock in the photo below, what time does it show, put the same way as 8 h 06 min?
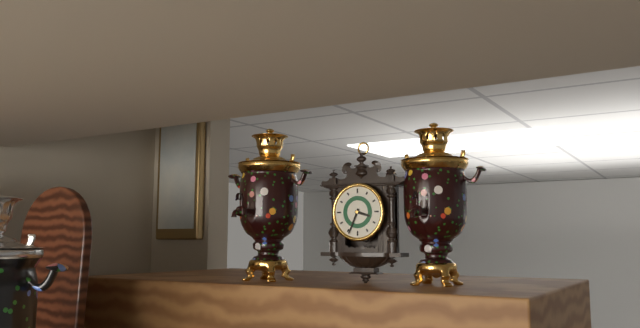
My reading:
3 h 34 min
